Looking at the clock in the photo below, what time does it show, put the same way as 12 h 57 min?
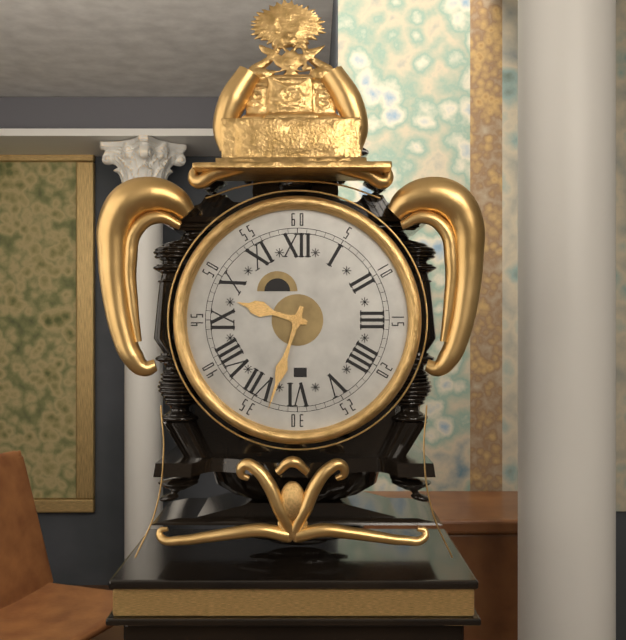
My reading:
9 h 33 min
